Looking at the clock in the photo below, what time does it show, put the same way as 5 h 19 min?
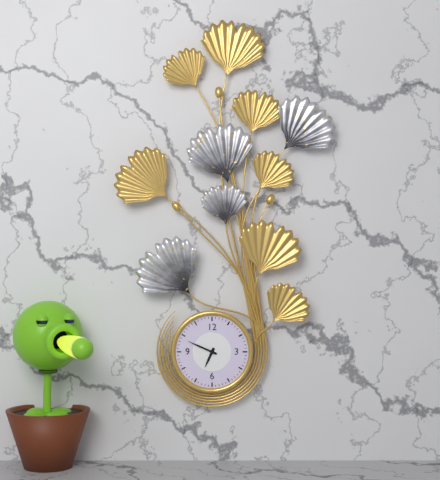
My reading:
6 h 49 min
